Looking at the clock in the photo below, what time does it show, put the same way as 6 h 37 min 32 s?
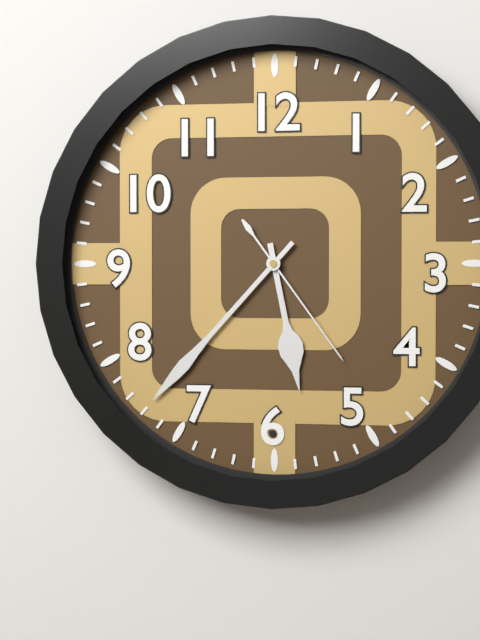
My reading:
5 h 37 min 24 s
